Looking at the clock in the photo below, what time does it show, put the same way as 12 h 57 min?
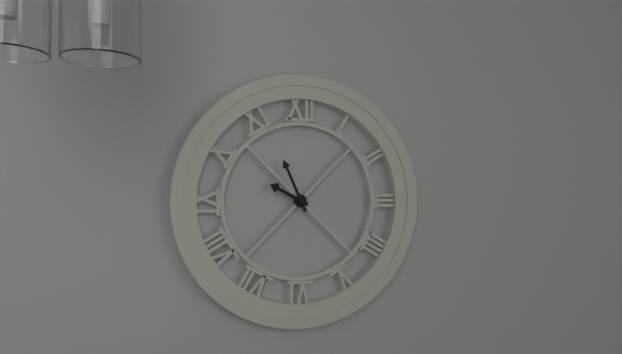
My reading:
9 h 56 min
